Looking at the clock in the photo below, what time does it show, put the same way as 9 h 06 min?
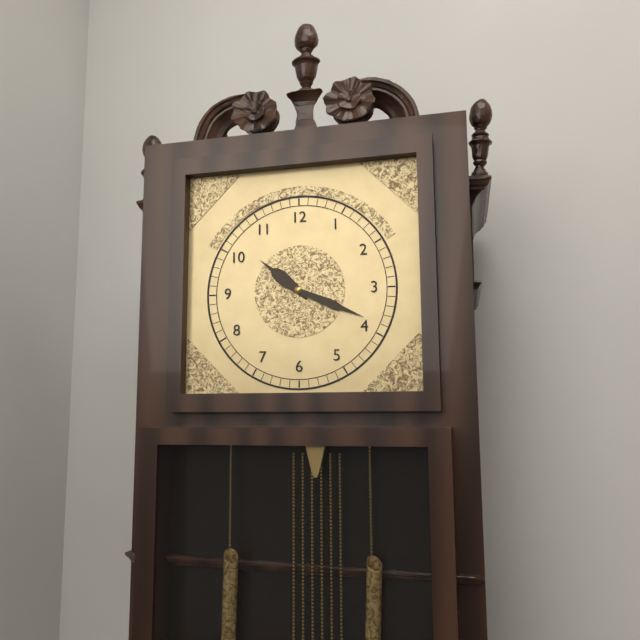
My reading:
10 h 19 min
